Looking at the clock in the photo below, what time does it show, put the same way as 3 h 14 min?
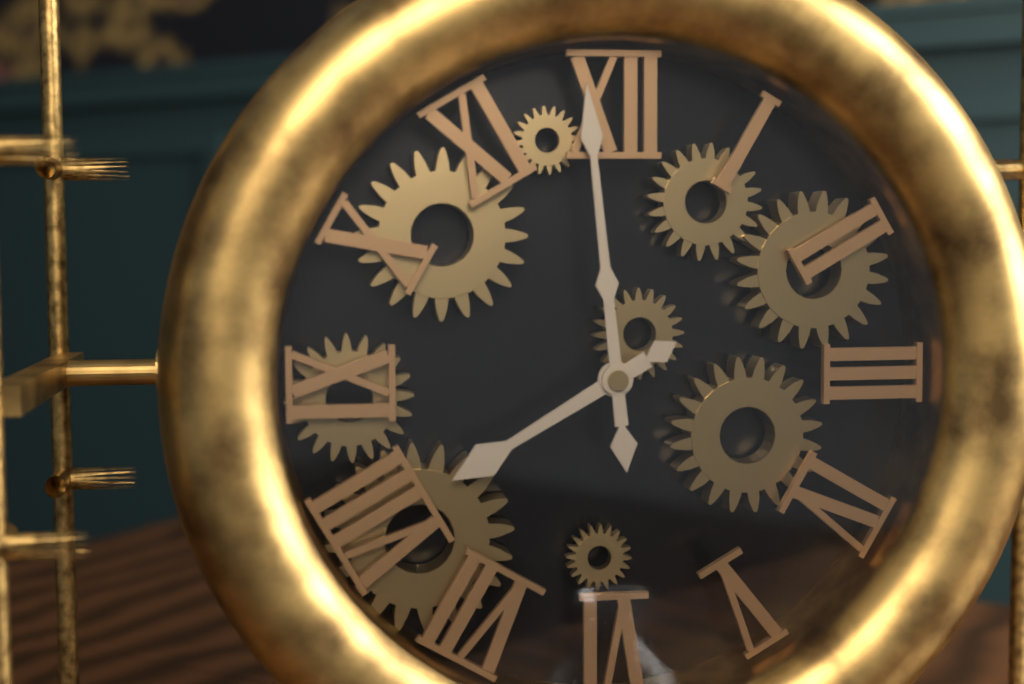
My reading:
7 h 59 min
